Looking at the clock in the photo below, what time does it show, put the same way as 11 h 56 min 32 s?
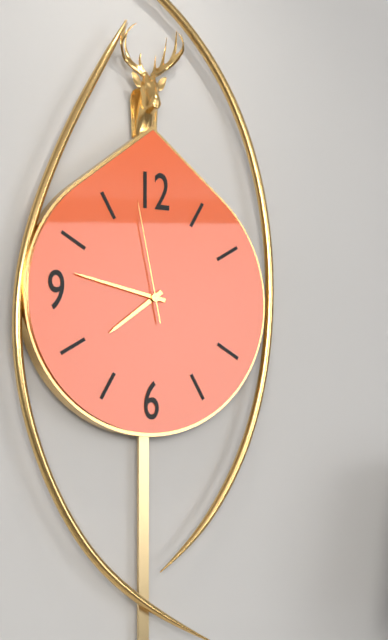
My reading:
7 h 47 min 58 s
